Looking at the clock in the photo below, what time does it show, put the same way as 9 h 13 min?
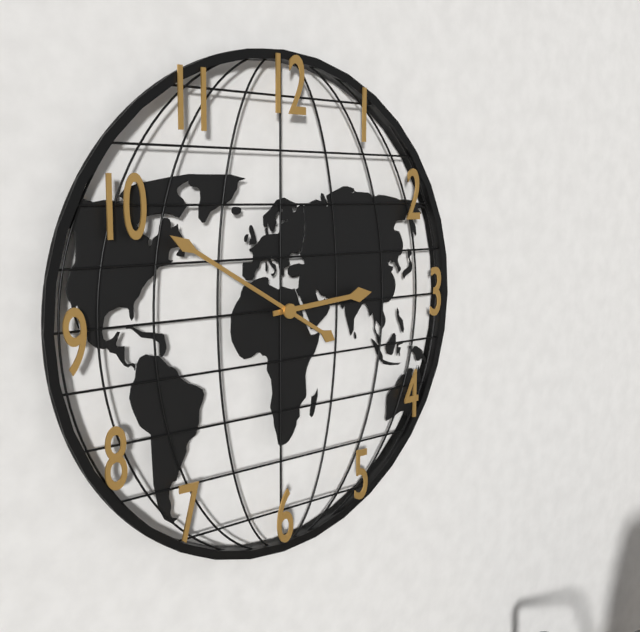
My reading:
2 h 50 min
